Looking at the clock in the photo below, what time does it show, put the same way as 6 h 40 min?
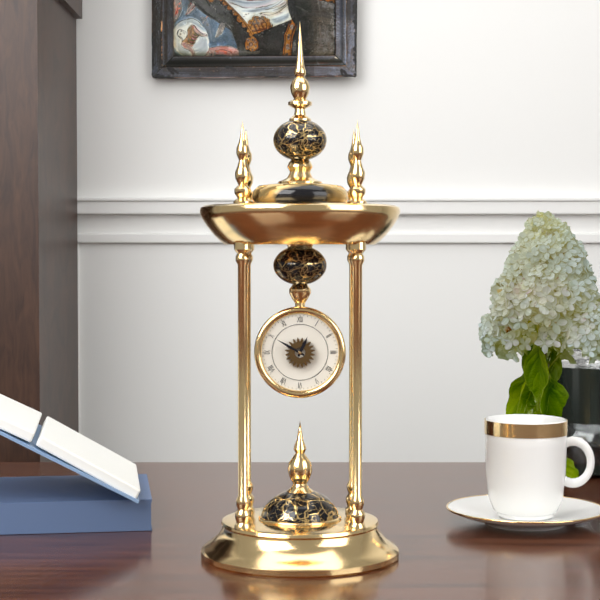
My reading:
12 h 50 min
